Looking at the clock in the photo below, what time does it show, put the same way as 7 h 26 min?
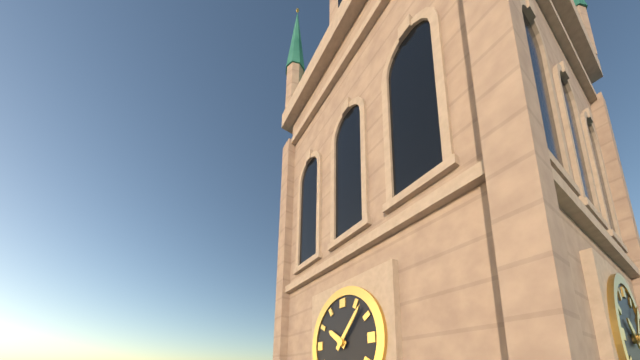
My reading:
10 h 07 min
